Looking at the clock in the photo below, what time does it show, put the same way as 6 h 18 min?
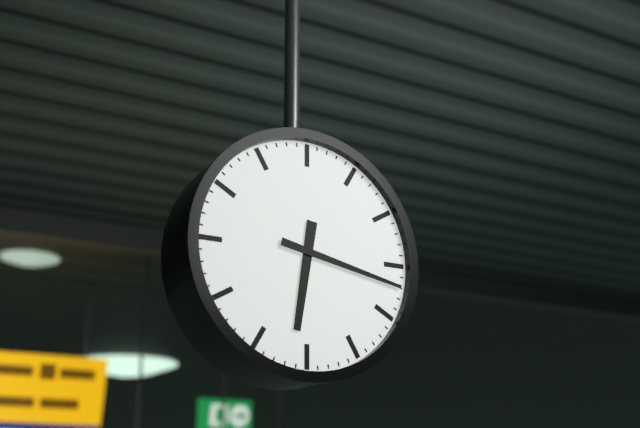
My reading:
6 h 17 min
